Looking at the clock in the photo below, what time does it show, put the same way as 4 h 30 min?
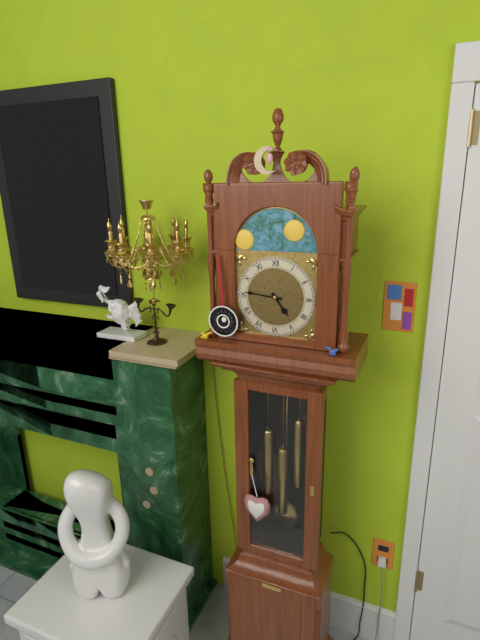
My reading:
4 h 46 min
